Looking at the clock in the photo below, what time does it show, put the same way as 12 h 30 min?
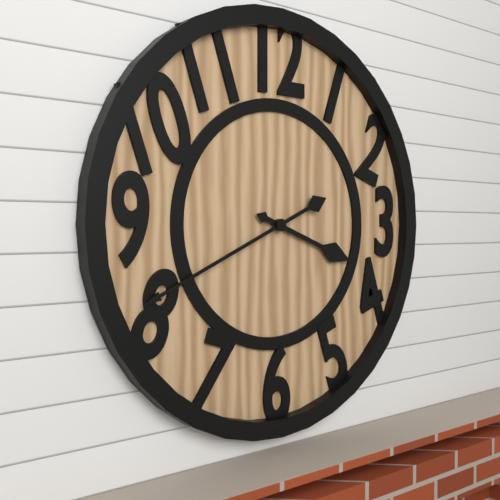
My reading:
3 h 41 min
